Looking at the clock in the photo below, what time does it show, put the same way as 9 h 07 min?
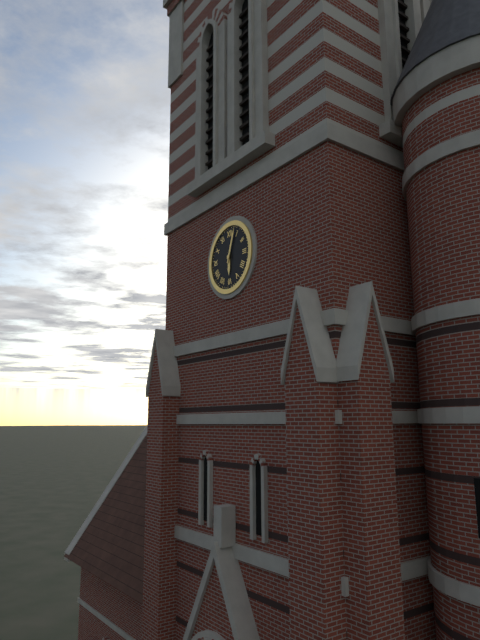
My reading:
6 h 03 min
